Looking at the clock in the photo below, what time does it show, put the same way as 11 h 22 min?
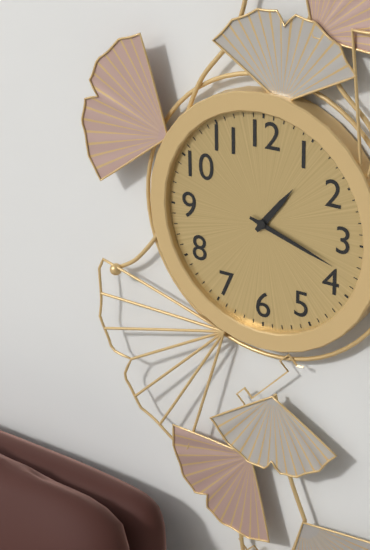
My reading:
1 h 18 min
